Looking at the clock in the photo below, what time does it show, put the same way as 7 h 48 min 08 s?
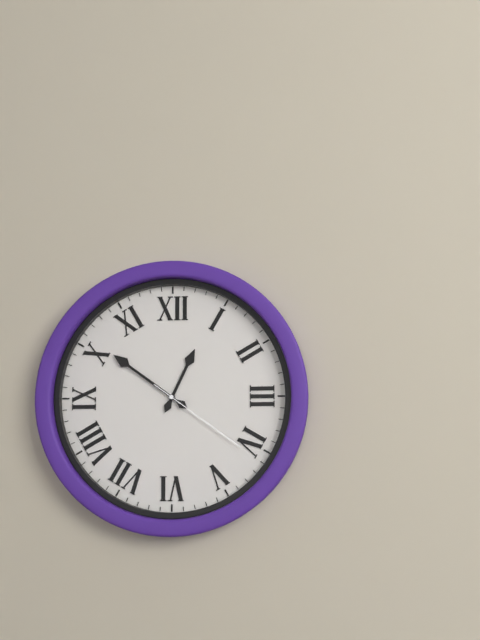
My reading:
12 h 51 min 21 s
